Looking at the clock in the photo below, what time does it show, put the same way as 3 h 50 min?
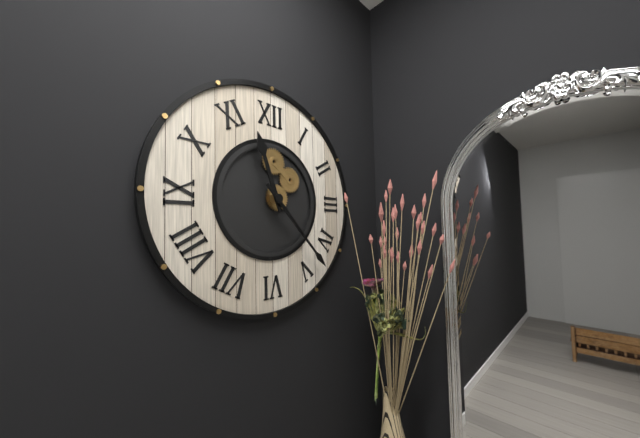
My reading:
11 h 23 min
